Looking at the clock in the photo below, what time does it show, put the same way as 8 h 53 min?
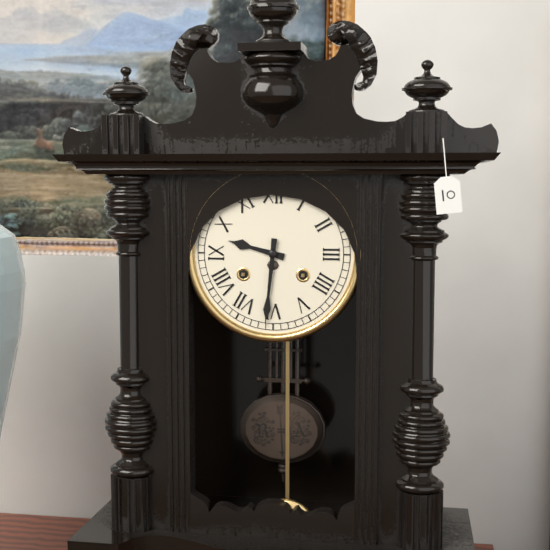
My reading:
9 h 31 min
